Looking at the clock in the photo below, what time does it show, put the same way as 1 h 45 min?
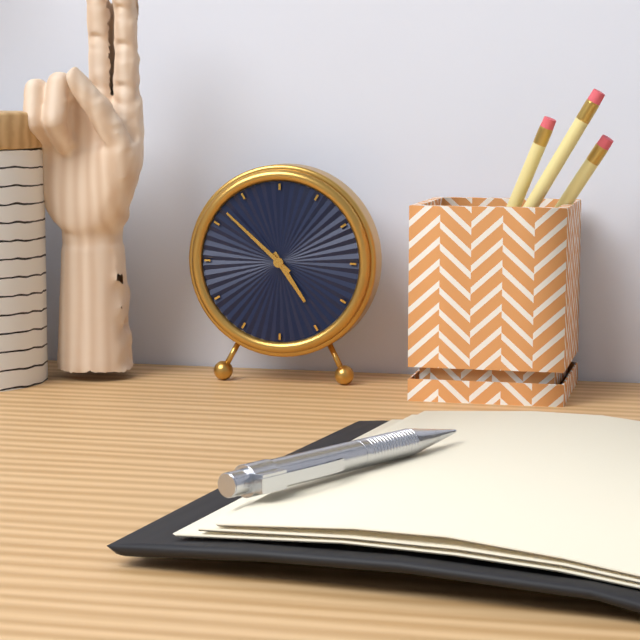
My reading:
4 h 52 min
